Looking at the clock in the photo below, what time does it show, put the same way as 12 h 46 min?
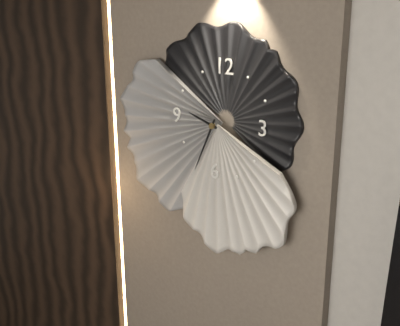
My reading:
9 h 34 min
